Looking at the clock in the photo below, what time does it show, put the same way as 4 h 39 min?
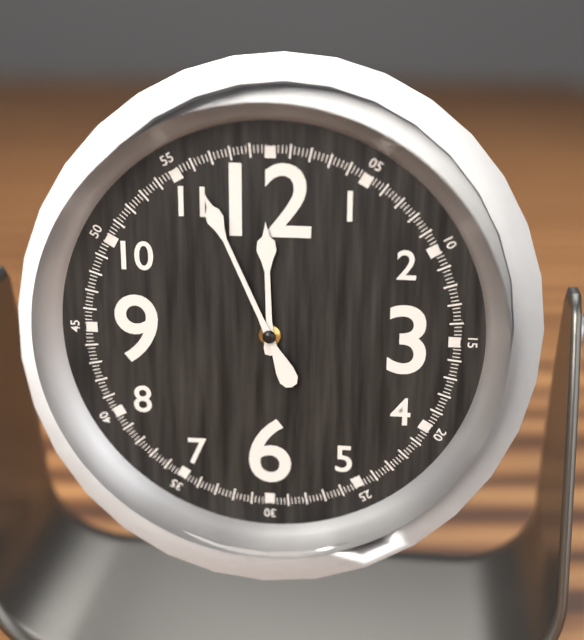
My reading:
11 h 56 min
